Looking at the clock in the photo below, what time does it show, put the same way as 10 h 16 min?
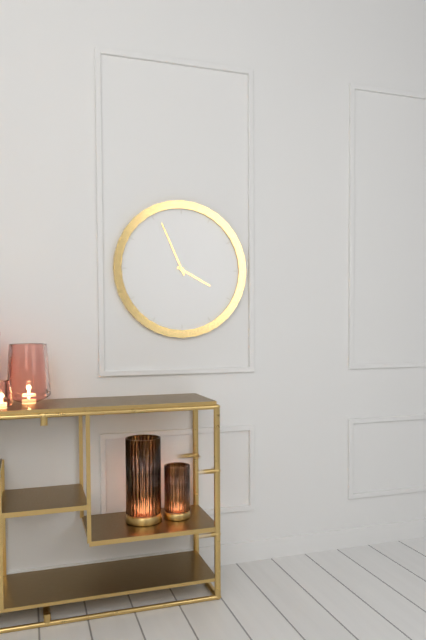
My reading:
3 h 56 min
